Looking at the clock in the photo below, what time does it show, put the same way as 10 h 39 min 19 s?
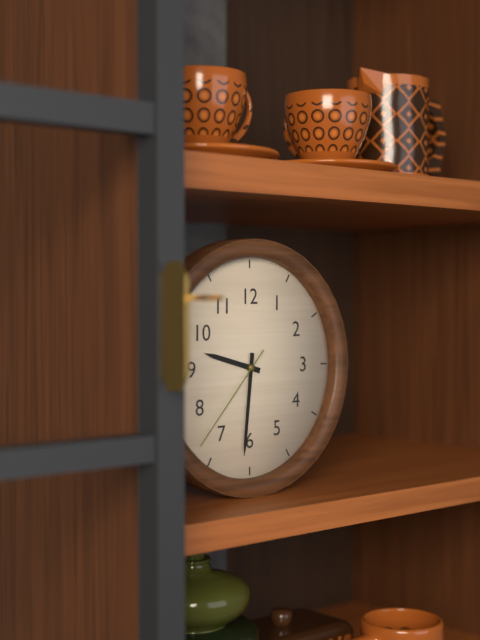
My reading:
9 h 31 min 37 s
